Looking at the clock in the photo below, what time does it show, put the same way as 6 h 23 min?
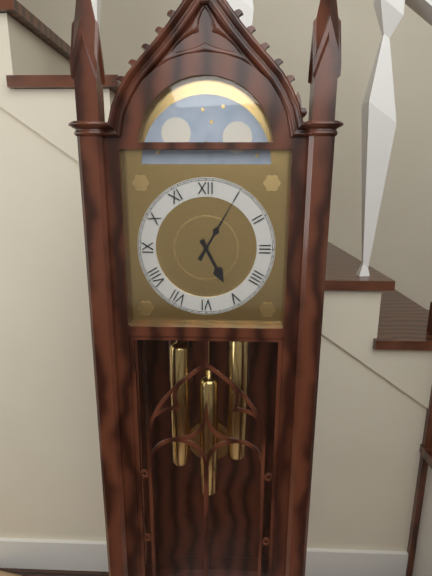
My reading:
5 h 05 min
